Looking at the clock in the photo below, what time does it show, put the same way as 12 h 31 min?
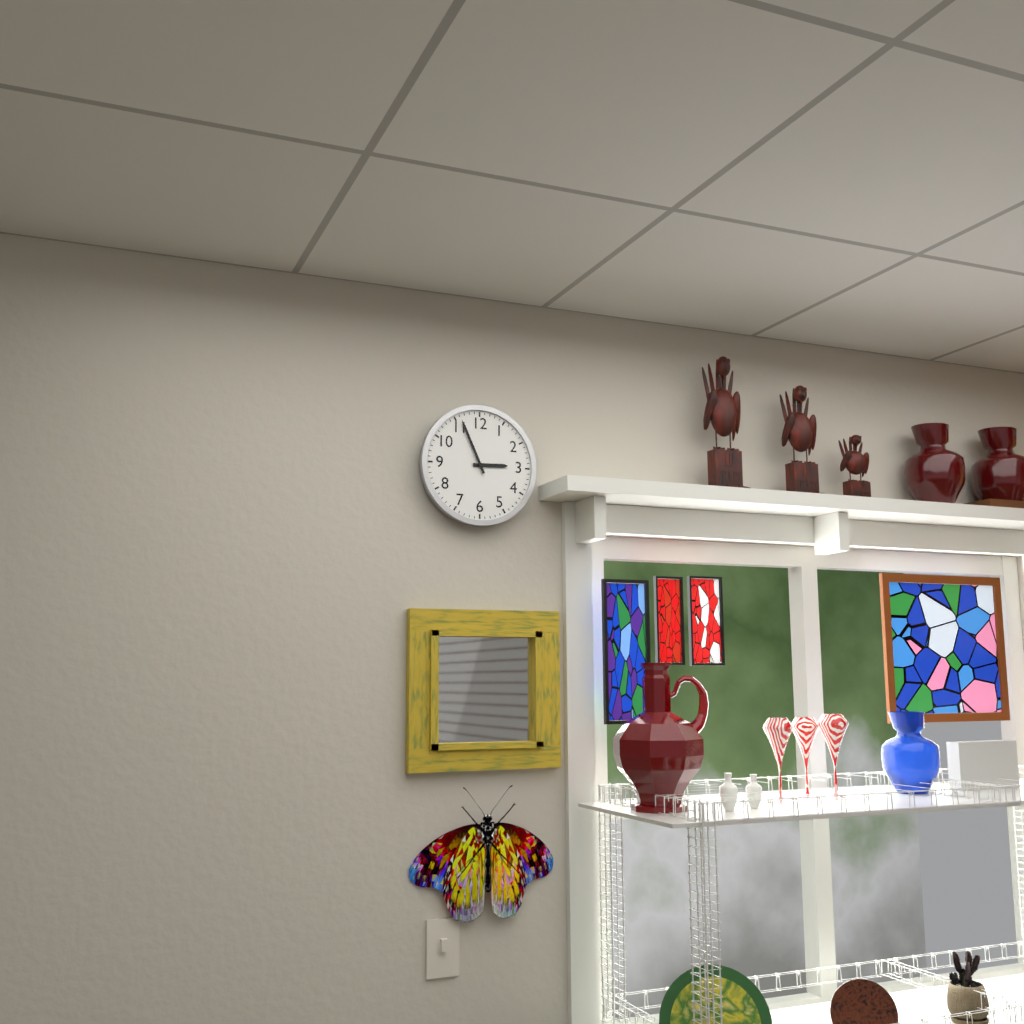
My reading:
2 h 56 min
